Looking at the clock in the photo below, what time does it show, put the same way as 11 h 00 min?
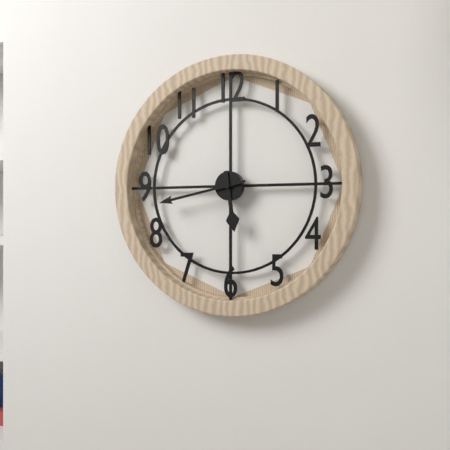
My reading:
5 h 43 min
